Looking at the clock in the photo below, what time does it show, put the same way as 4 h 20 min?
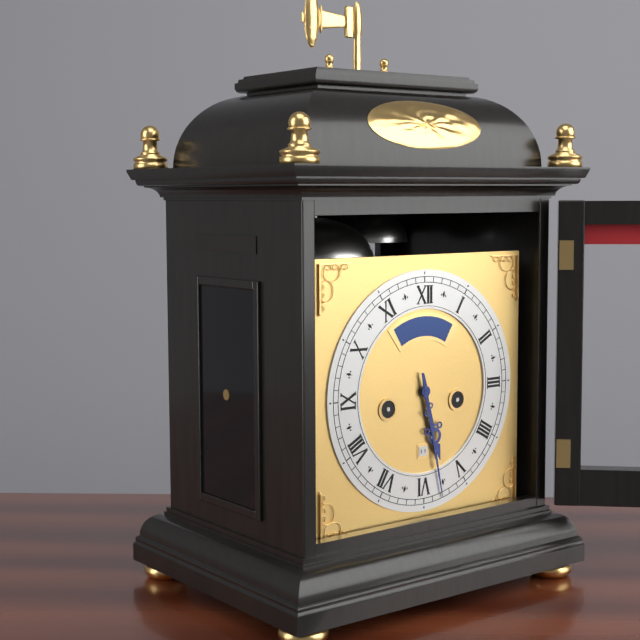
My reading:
5 h 28 min
